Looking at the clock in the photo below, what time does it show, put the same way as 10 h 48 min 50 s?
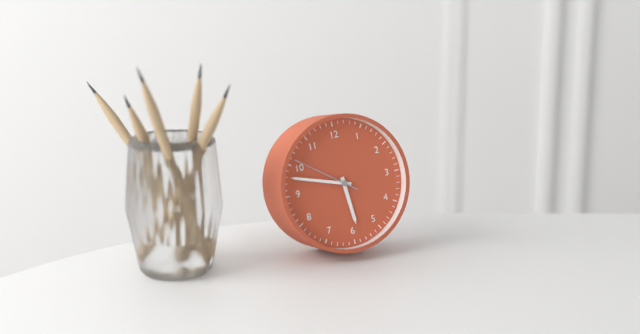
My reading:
5 h 48 min 51 s
